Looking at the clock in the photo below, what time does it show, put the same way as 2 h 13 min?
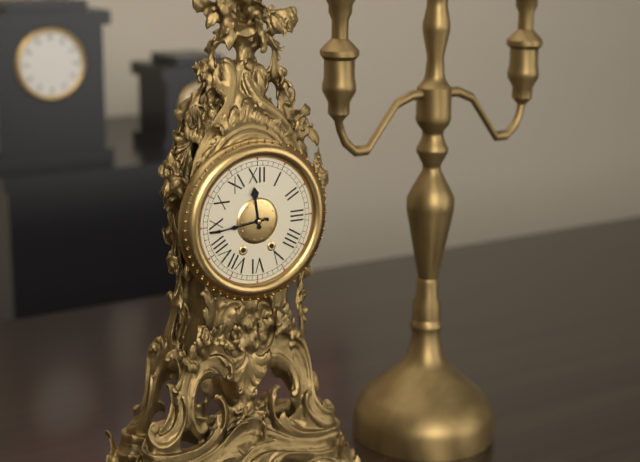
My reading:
11 h 44 min
